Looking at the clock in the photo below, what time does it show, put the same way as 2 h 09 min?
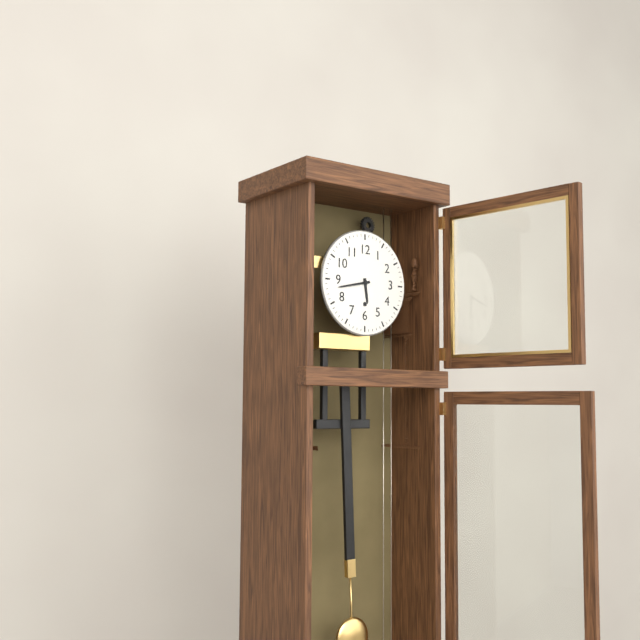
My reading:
5 h 43 min
